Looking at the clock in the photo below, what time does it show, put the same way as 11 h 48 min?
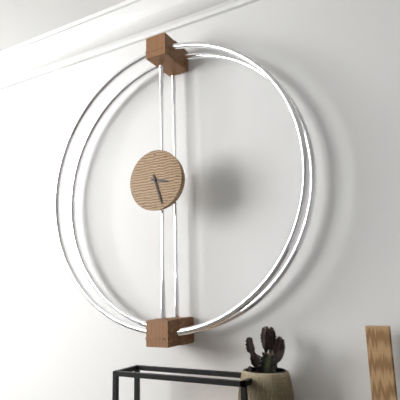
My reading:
3 h 27 min
